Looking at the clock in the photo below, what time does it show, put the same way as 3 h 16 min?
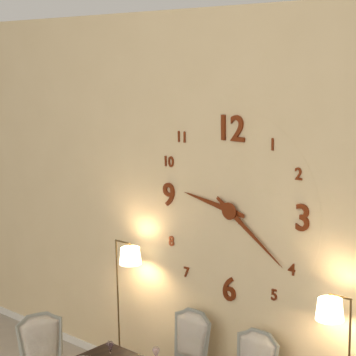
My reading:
9 h 21 min
